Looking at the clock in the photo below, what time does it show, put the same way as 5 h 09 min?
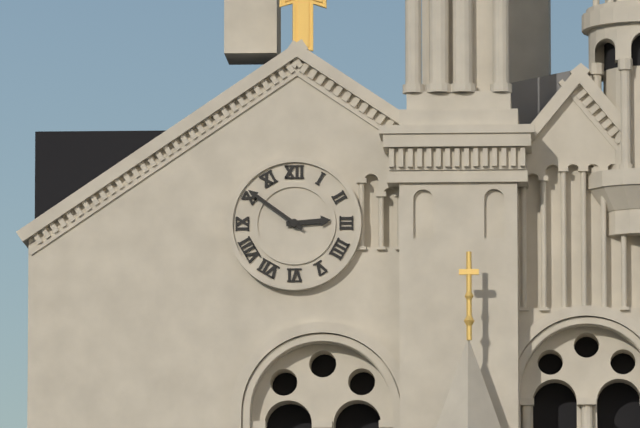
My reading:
2 h 51 min
